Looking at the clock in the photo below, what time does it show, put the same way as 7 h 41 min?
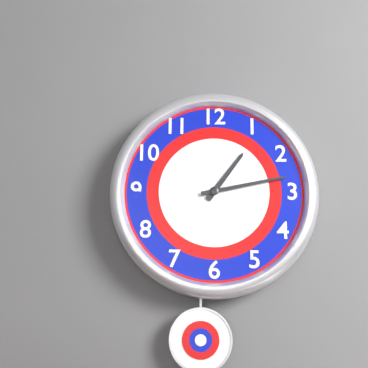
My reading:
1 h 13 min
